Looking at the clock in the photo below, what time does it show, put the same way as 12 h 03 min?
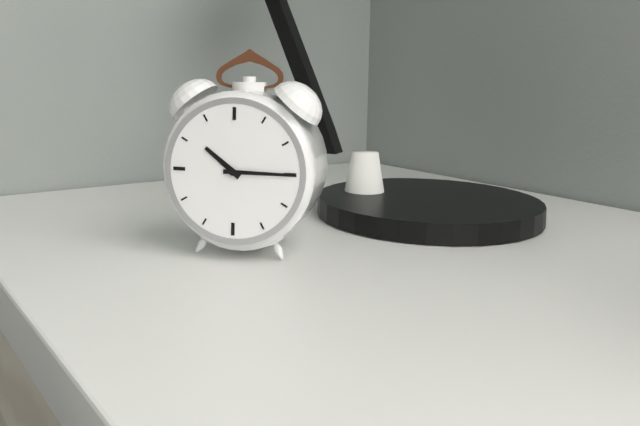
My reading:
10 h 15 min
